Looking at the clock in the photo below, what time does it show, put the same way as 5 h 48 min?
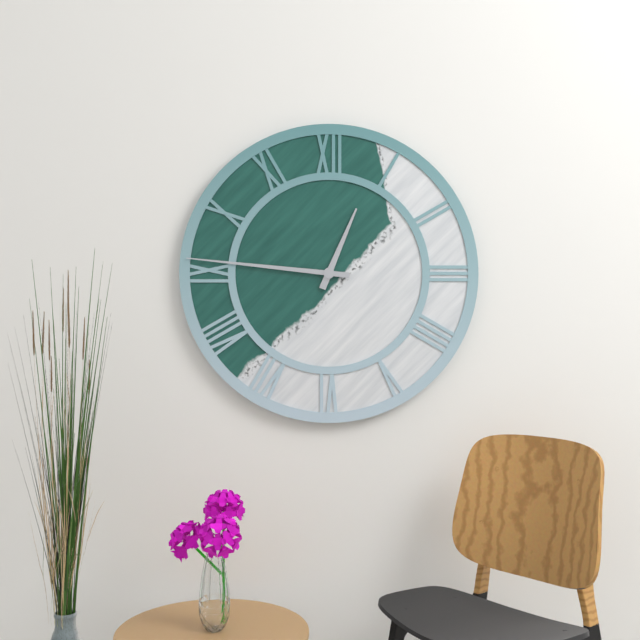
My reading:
12 h 46 min
